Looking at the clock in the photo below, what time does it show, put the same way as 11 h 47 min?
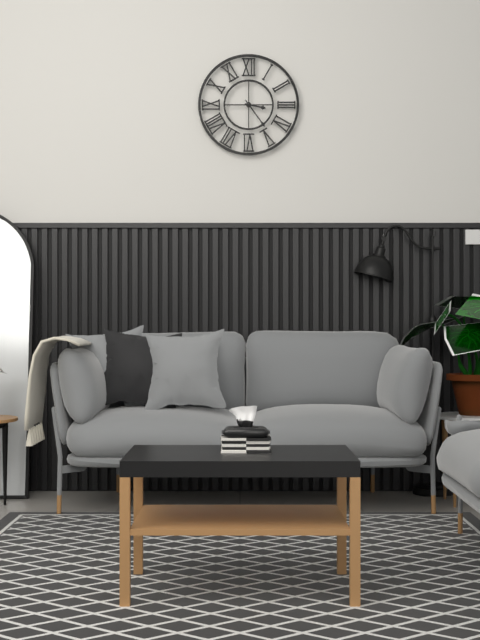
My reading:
3 h 24 min
